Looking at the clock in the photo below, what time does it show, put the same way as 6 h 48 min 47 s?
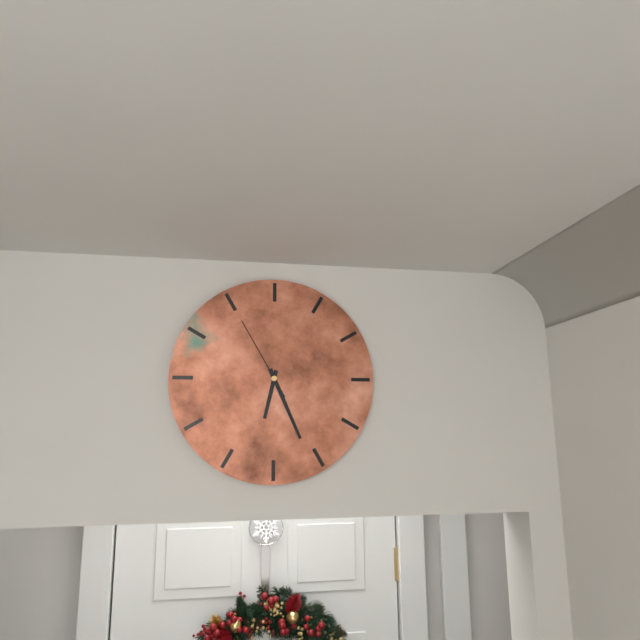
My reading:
6 h 26 min 55 s
